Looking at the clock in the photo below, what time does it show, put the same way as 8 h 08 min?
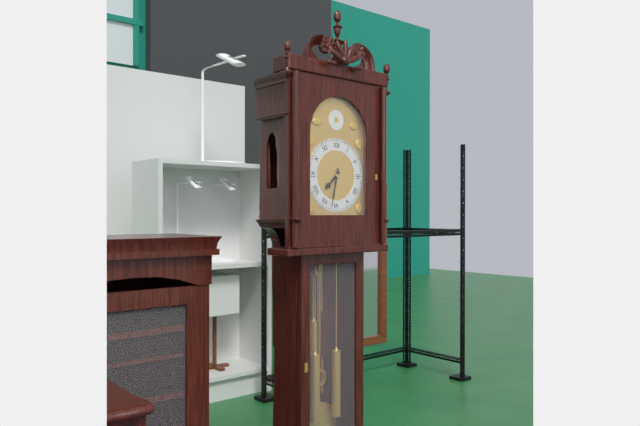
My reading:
7 h 32 min
